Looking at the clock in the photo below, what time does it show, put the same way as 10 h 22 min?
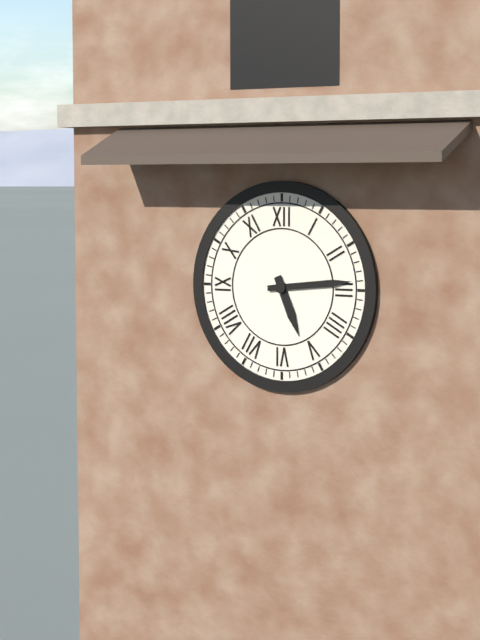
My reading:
5 h 14 min
